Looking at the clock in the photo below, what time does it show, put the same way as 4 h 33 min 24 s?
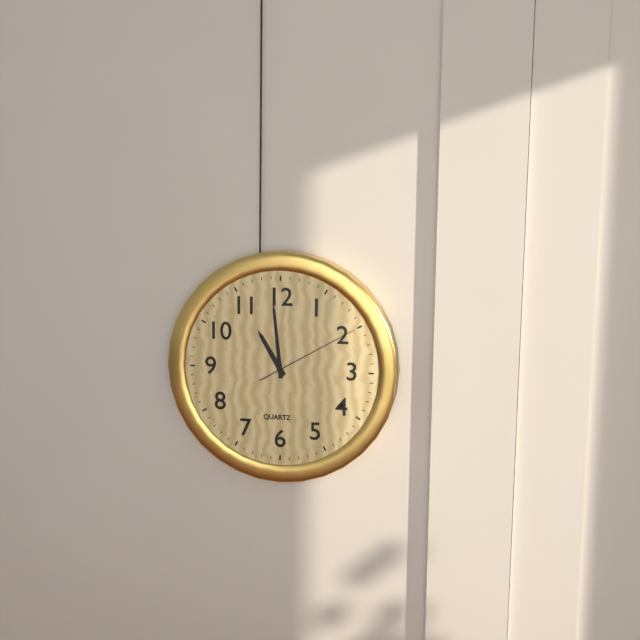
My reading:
10 h 59 min 10 s
